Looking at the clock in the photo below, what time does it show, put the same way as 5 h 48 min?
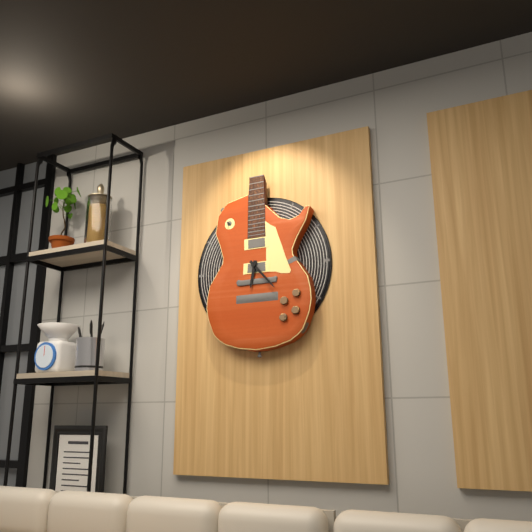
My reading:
6 h 23 min
